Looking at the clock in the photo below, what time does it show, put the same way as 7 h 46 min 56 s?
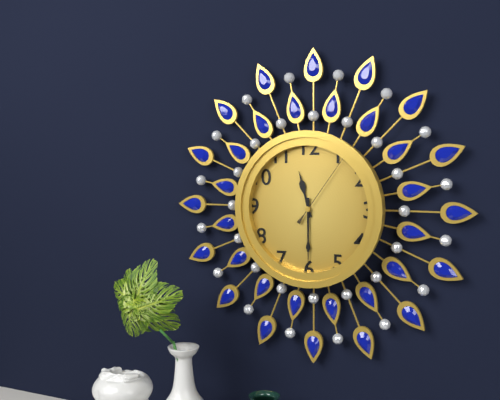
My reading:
11 h 30 min 06 s
